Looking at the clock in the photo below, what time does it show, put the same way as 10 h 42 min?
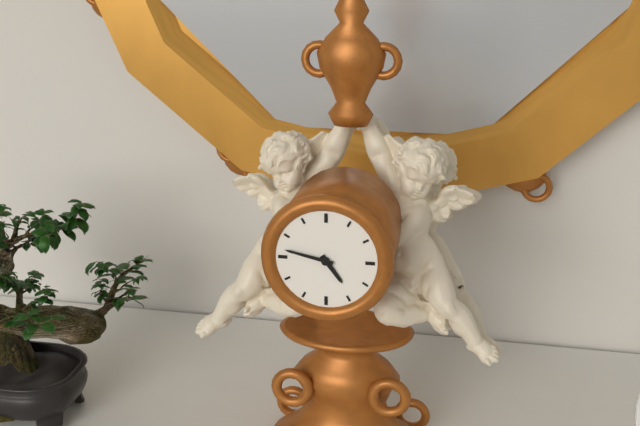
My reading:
4 h 47 min
